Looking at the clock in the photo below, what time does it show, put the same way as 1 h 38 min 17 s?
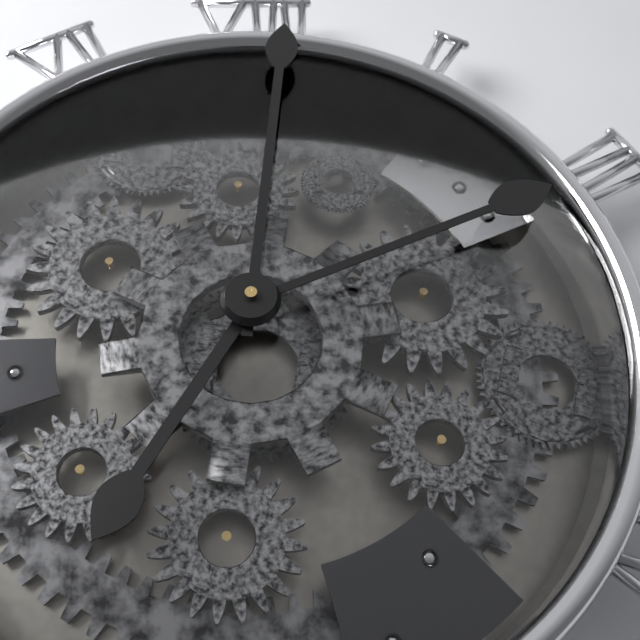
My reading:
7 h 01 min 11 s
